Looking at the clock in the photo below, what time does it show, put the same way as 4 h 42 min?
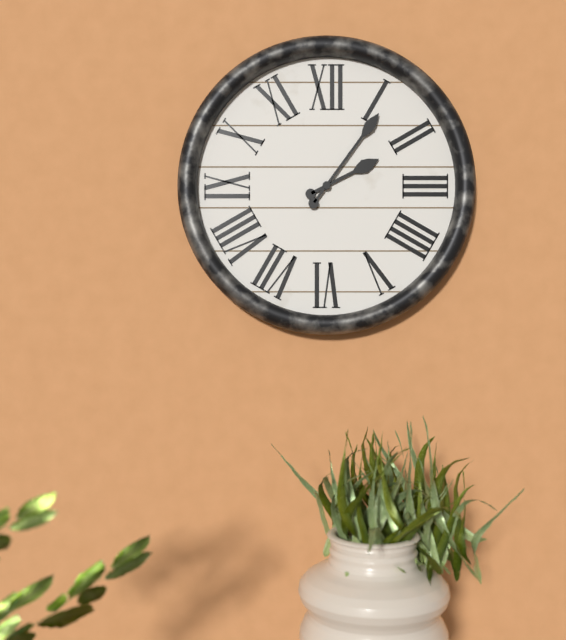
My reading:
2 h 06 min
